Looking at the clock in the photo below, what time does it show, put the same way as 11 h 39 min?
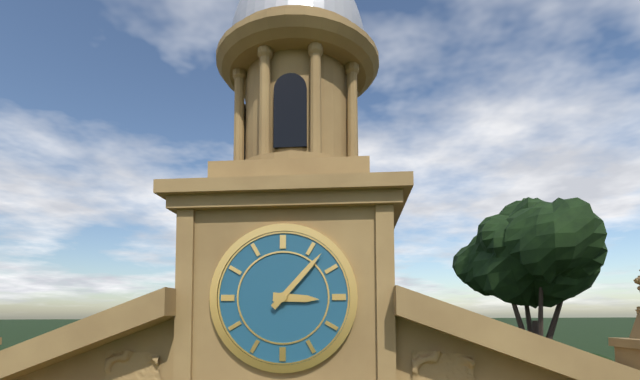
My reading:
3 h 07 min
